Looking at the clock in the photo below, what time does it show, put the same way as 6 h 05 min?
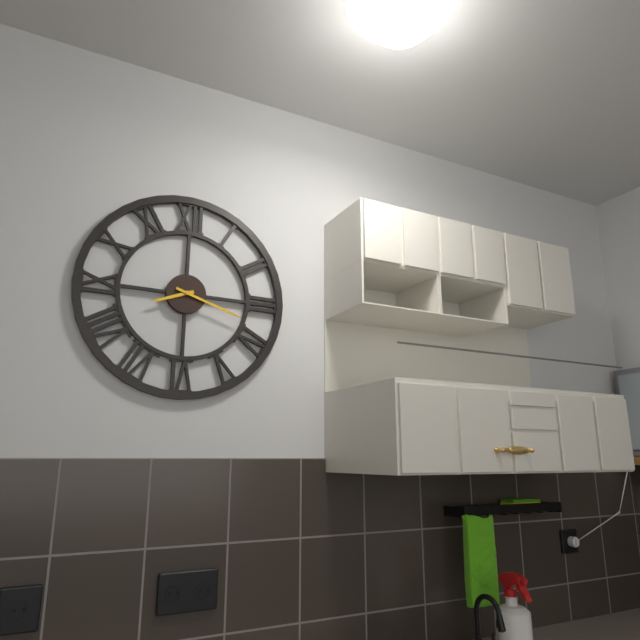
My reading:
8 h 18 min
